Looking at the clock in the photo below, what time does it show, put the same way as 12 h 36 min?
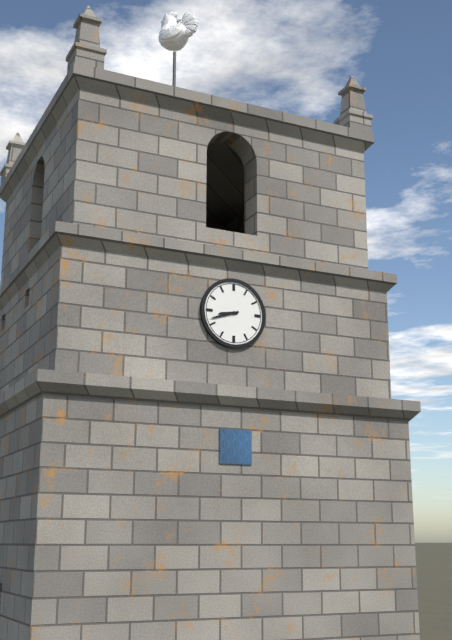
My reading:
8 h 42 min
